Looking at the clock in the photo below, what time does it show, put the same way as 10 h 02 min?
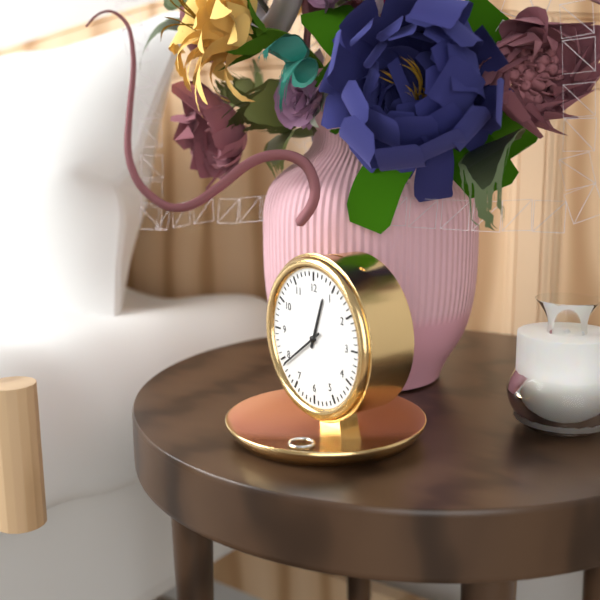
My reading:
12 h 39 min
